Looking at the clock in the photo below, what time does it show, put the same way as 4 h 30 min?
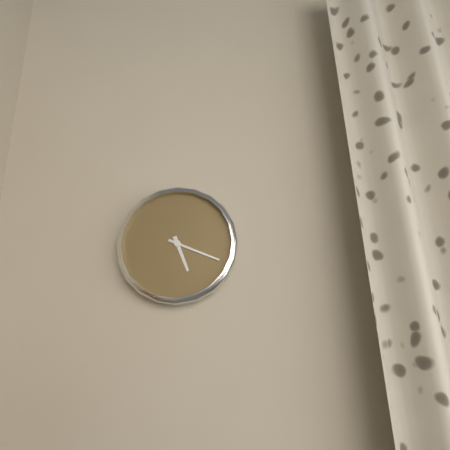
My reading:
5 h 19 min
